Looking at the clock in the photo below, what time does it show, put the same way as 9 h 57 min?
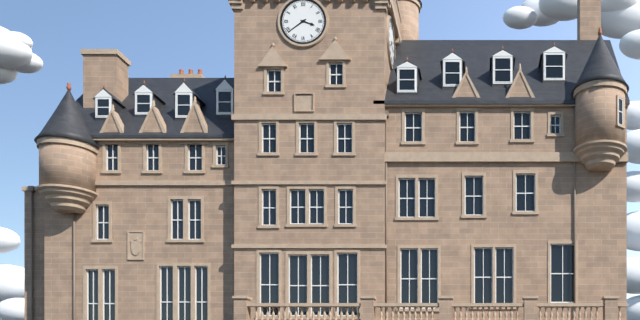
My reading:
3 h 39 min
